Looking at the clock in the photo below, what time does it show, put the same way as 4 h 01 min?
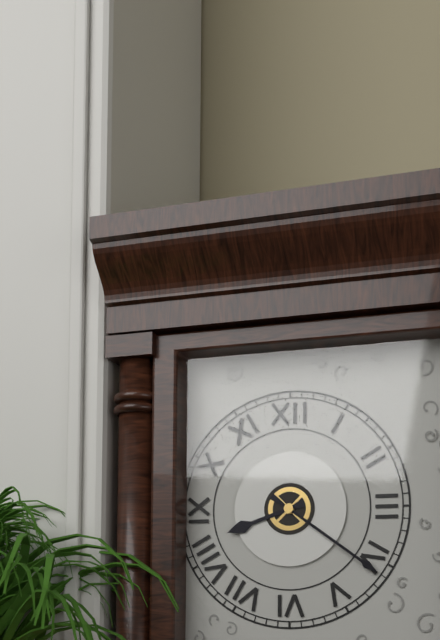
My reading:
8 h 21 min
